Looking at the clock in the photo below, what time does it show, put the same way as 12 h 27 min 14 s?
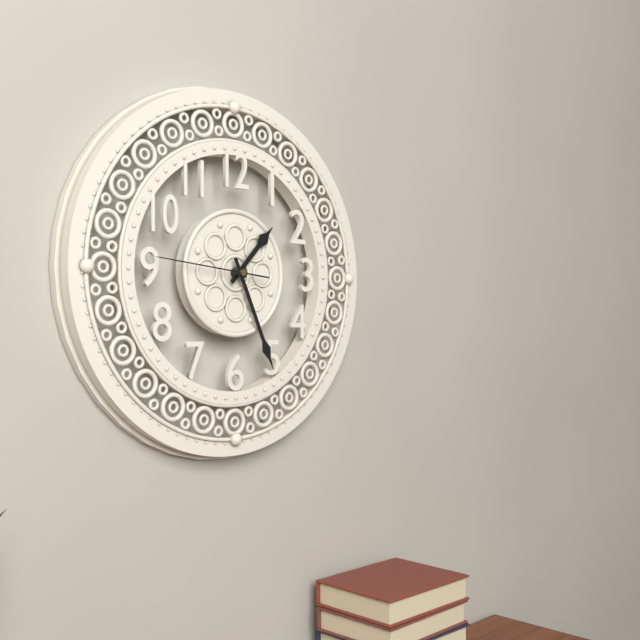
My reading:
1 h 26 min 46 s
